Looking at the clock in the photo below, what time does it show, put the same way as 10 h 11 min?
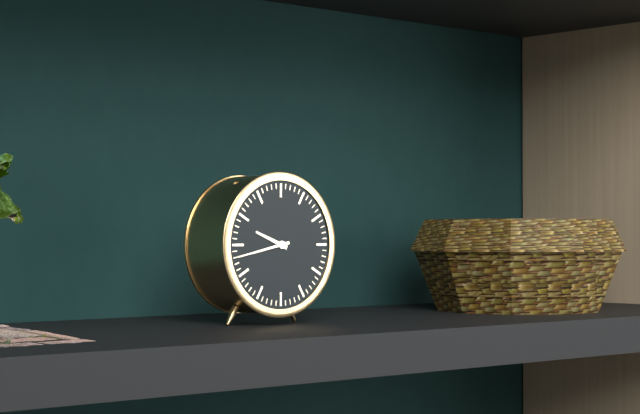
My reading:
9 h 43 min
